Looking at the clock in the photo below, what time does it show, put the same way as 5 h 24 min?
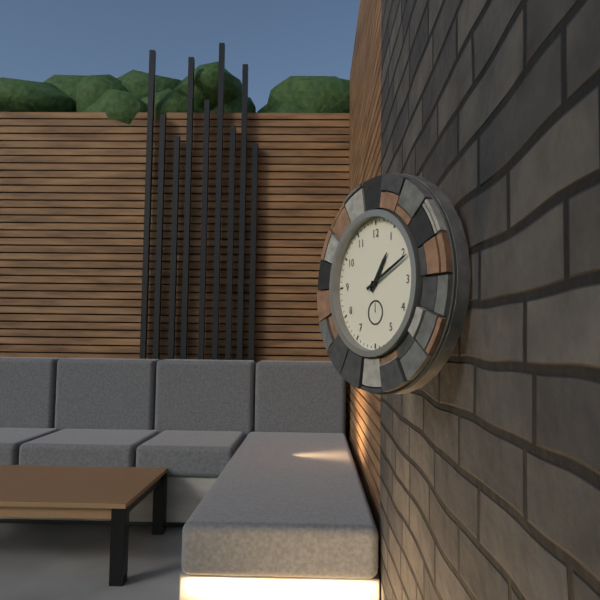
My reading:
1 h 11 min
